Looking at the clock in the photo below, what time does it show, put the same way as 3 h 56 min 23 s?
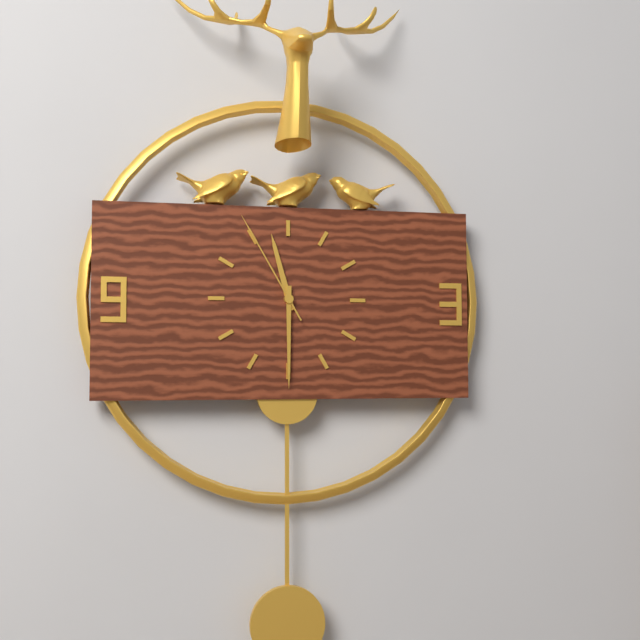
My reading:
11 h 30 min 55 s
